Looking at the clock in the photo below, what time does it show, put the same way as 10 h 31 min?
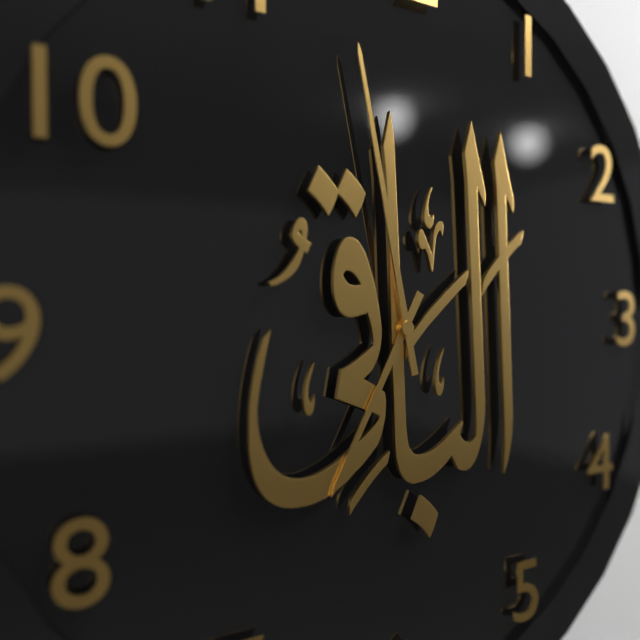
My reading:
6 h 58 min
